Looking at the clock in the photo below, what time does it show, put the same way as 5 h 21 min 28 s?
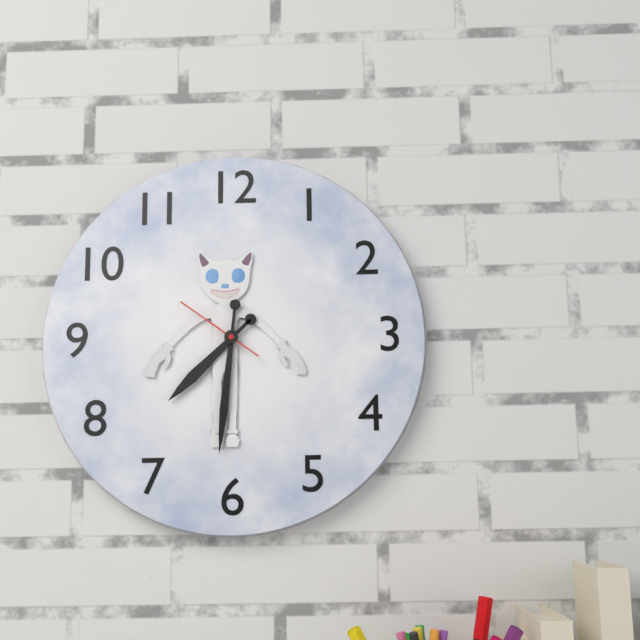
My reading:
7 h 31 min 51 s
